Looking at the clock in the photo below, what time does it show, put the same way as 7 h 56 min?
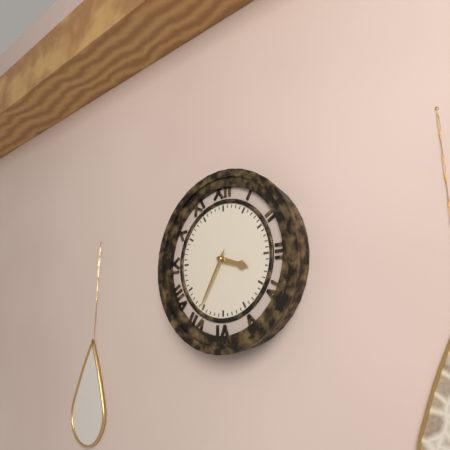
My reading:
3 h 35 min
